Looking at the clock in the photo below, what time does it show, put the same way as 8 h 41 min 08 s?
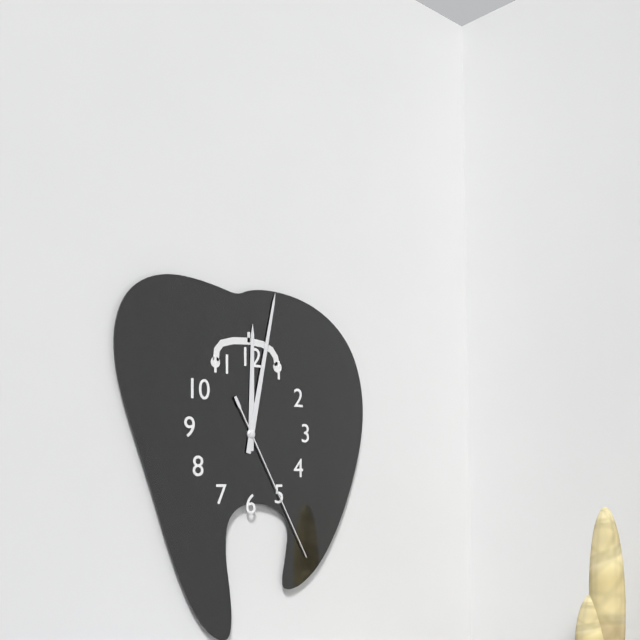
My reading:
12 h 02 min 25 s
